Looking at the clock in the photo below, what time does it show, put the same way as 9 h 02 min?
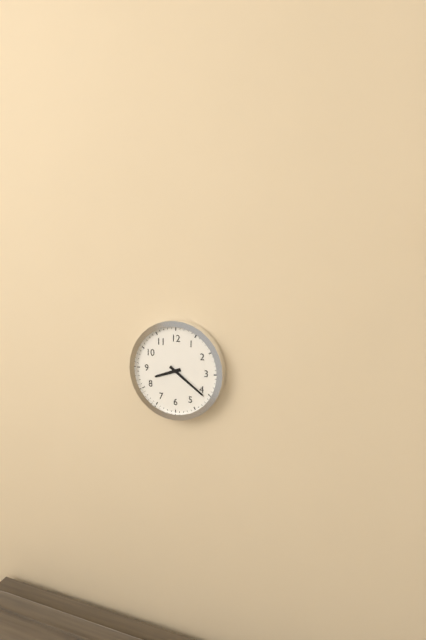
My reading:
8 h 21 min
